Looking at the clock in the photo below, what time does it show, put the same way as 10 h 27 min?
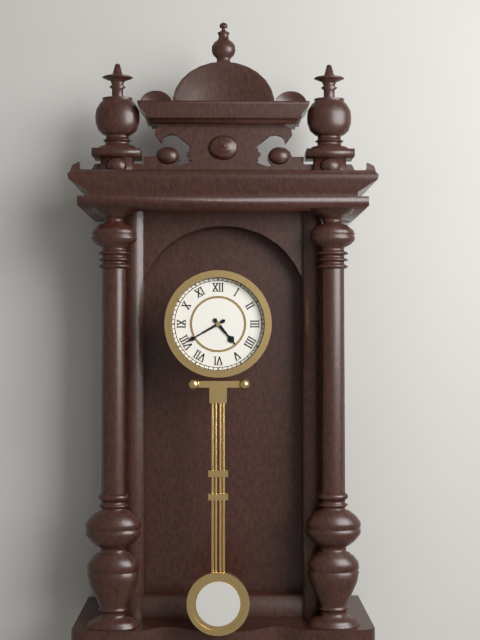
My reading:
4 h 40 min
